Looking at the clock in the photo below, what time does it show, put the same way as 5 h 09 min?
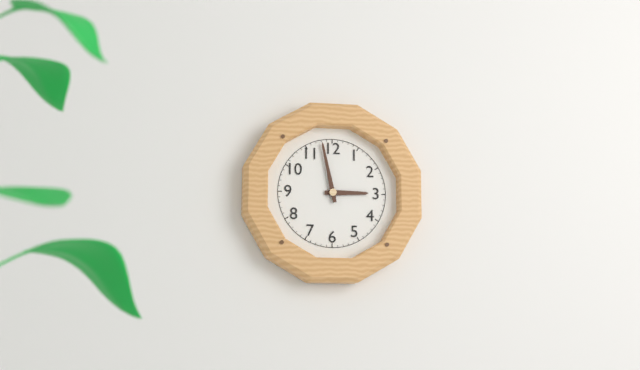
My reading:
2 h 58 min
